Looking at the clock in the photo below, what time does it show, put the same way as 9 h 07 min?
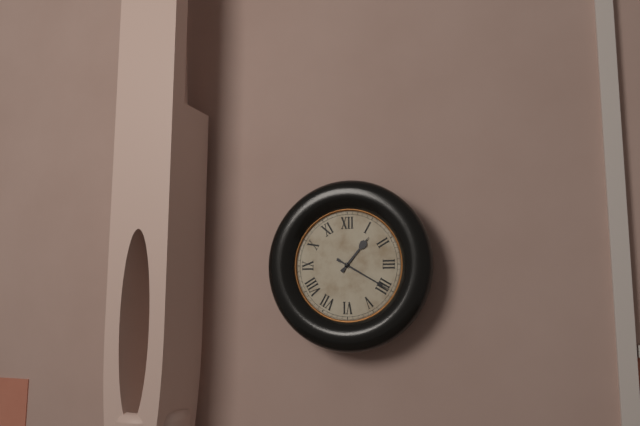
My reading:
1 h 20 min
